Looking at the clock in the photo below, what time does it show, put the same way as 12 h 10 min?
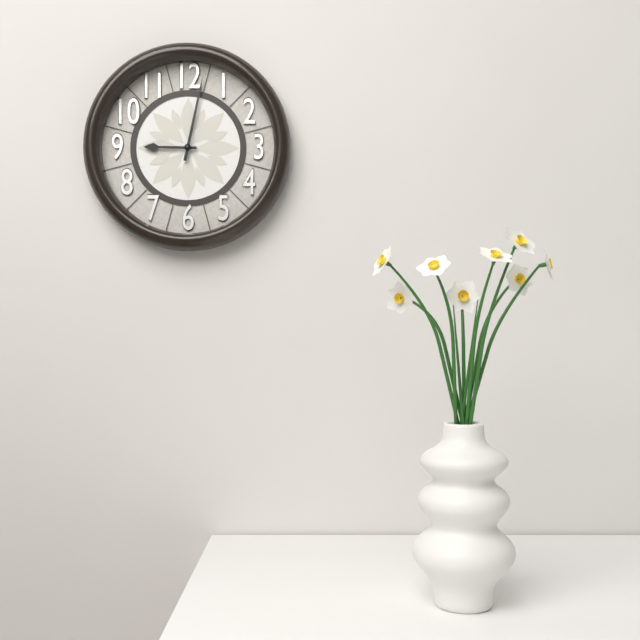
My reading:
9 h 02 min
